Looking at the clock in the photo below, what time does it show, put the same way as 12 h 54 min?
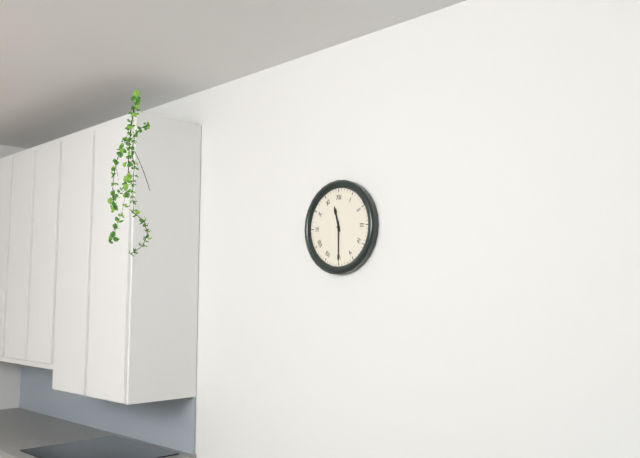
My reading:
11 h 30 min
